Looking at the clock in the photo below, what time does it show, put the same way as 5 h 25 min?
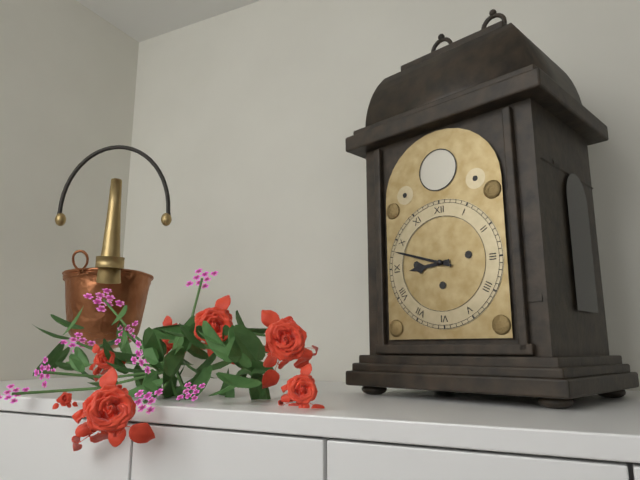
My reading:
8 h 48 min
